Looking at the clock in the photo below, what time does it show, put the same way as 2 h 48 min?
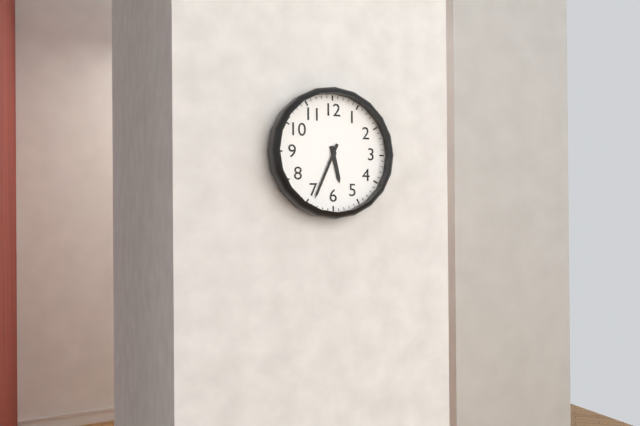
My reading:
5 h 34 min
